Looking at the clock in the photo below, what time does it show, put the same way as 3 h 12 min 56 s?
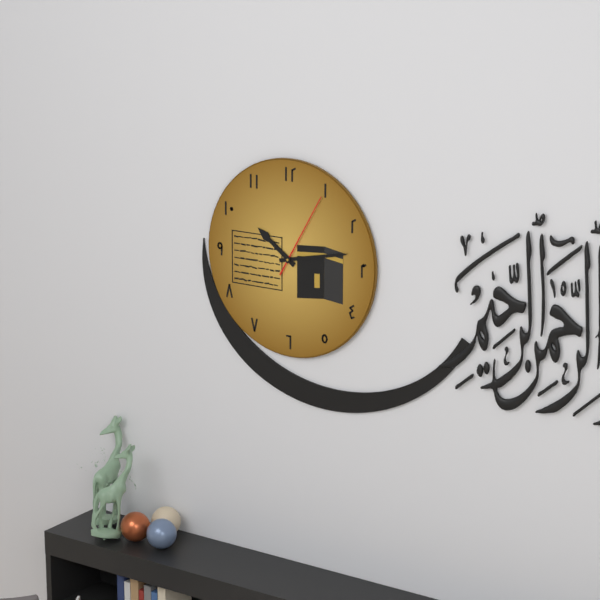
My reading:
10 h 13 min 05 s
